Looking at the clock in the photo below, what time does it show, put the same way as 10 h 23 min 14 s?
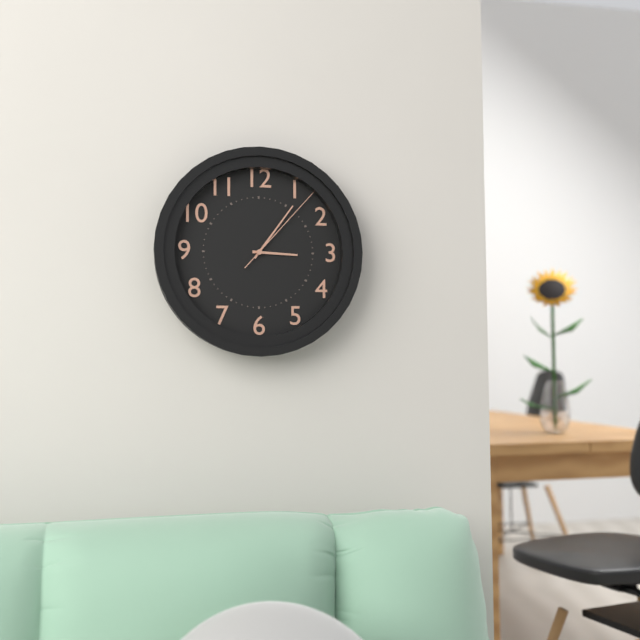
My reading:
3 h 06 min 07 s
